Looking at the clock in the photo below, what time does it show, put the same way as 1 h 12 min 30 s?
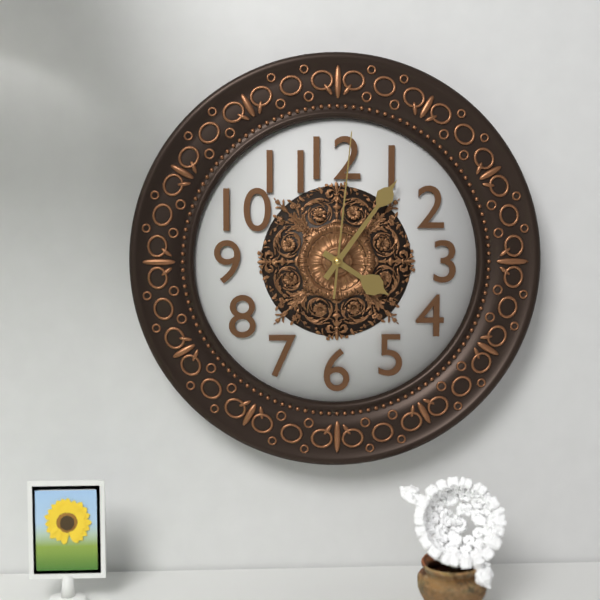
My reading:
4 h 06 min 01 s
